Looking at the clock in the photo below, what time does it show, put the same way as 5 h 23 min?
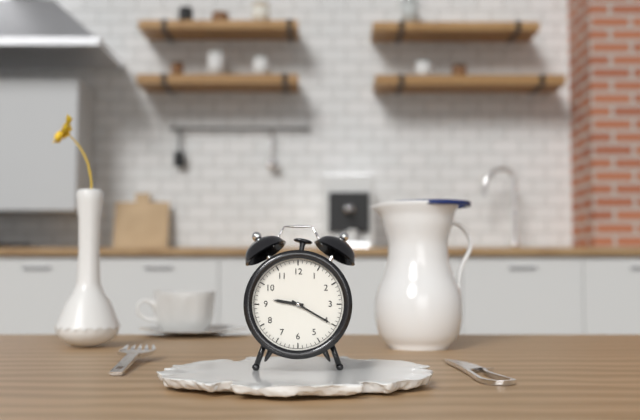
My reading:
9 h 20 min
